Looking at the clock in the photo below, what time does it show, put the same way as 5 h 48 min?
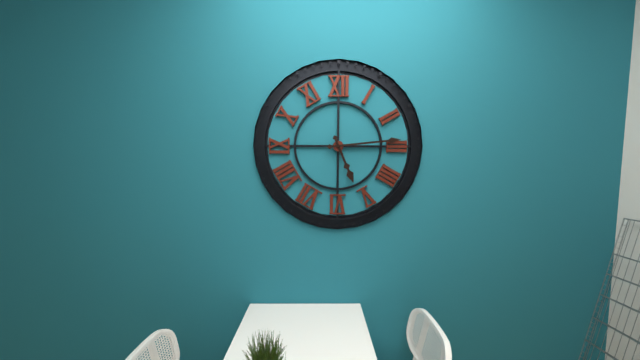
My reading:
5 h 14 min
